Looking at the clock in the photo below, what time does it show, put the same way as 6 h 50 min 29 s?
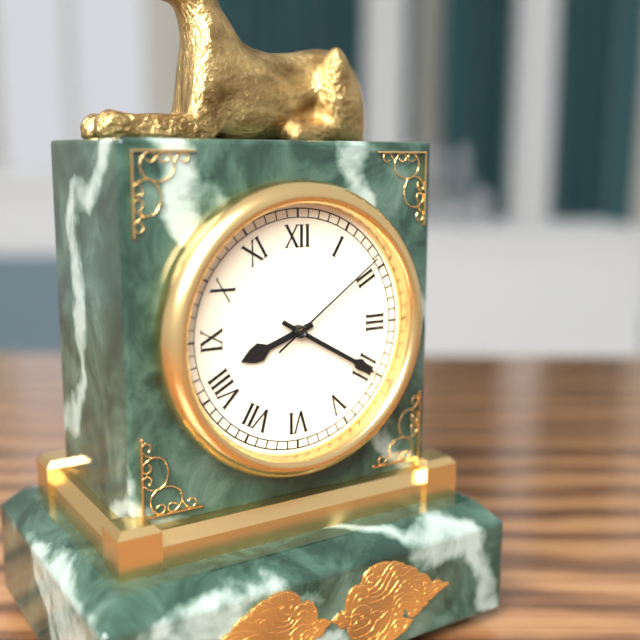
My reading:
8 h 20 min 09 s
